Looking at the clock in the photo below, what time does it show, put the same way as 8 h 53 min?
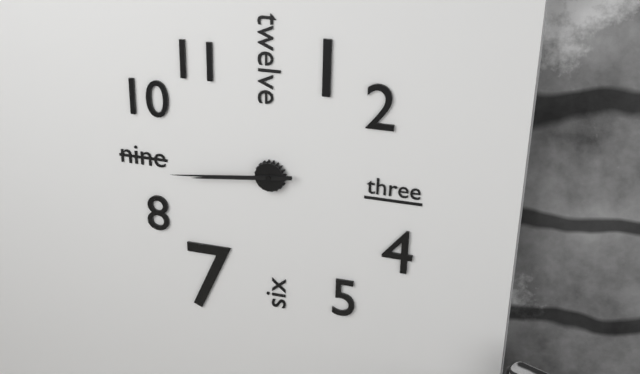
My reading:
8 h 44 min
